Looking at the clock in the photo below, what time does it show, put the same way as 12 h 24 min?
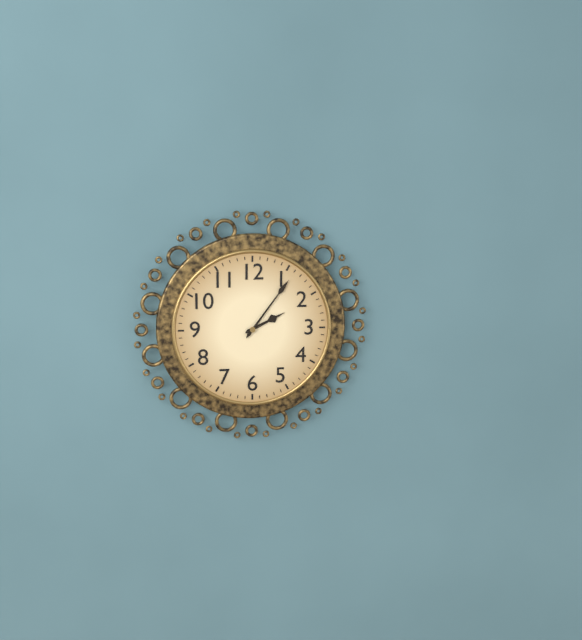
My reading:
2 h 06 min
